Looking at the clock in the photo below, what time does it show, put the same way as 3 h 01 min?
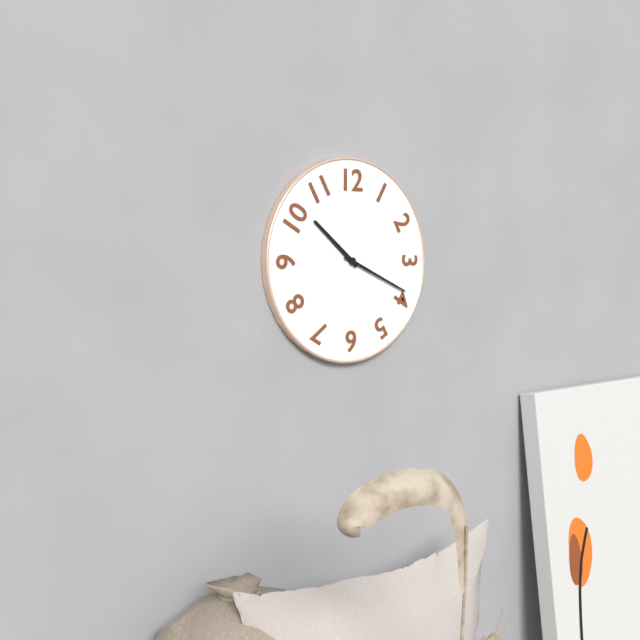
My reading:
10 h 19 min
